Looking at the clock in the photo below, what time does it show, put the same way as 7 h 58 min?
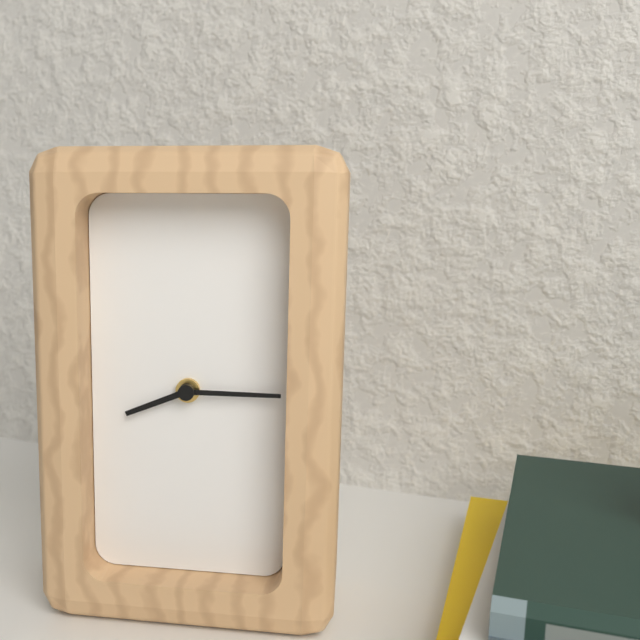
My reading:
8 h 15 min
